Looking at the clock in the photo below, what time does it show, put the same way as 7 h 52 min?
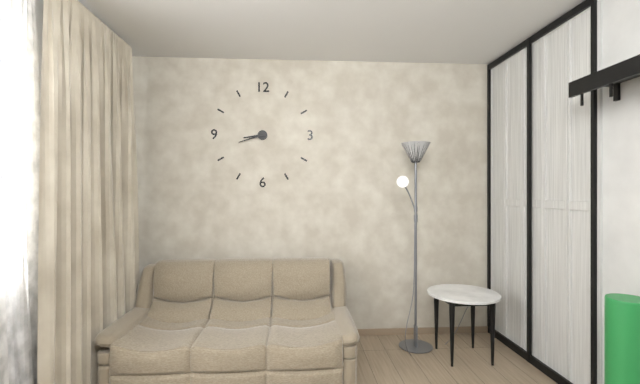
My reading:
8 h 42 min
